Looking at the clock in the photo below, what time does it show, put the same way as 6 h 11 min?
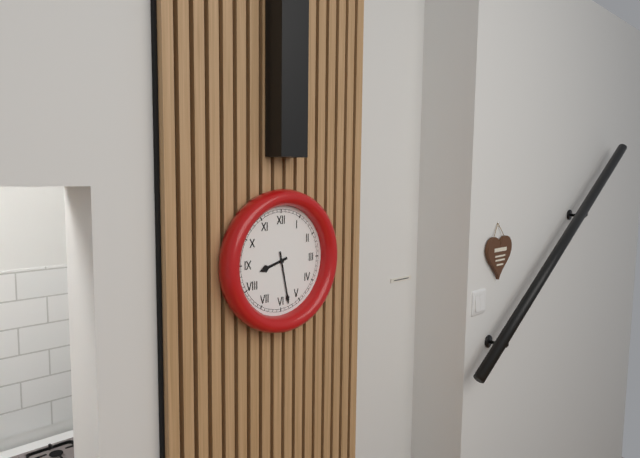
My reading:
8 h 28 min
